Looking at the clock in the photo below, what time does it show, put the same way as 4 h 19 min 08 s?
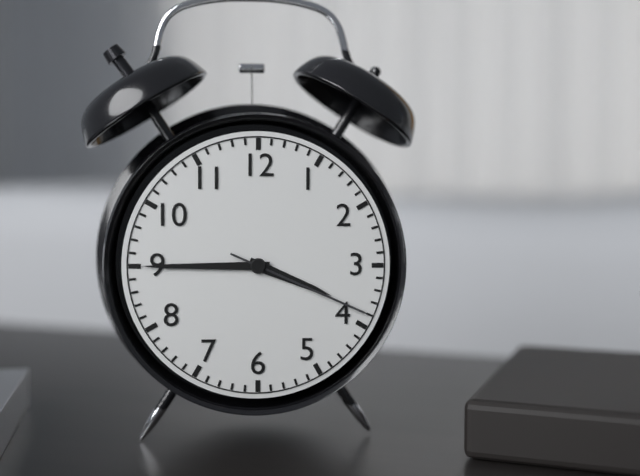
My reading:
3 h 45 min 19 s
